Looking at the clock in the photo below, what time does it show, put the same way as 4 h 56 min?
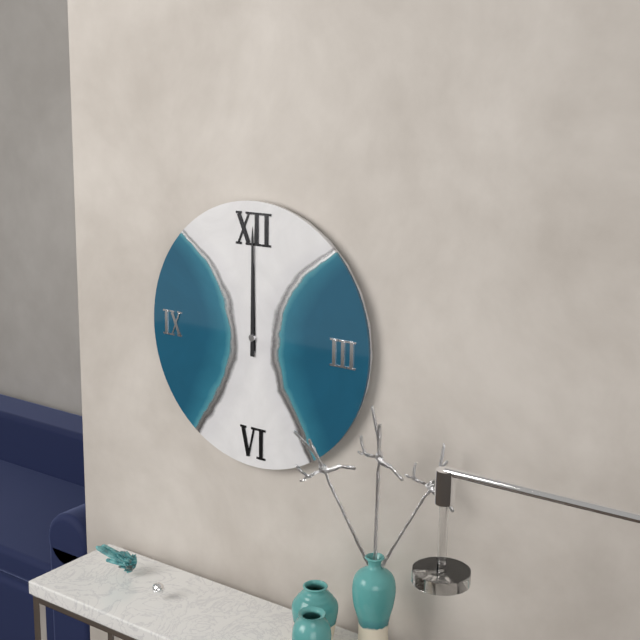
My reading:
12 h 00 min
